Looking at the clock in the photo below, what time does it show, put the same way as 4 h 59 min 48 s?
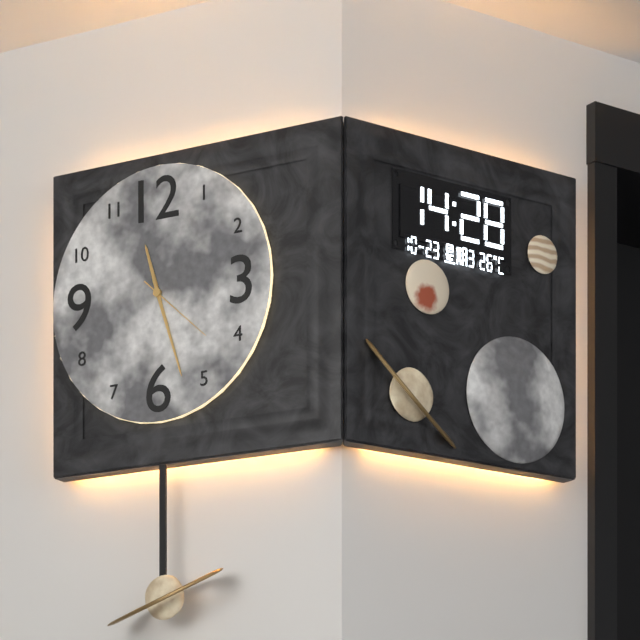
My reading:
11 h 27 min 22 s
